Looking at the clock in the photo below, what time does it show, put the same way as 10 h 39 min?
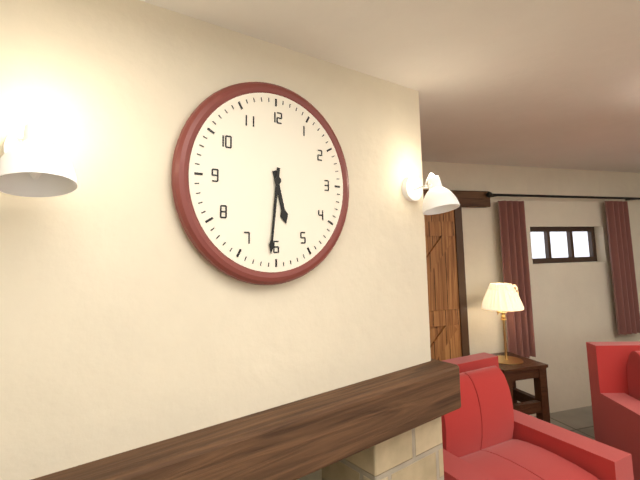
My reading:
5 h 31 min
